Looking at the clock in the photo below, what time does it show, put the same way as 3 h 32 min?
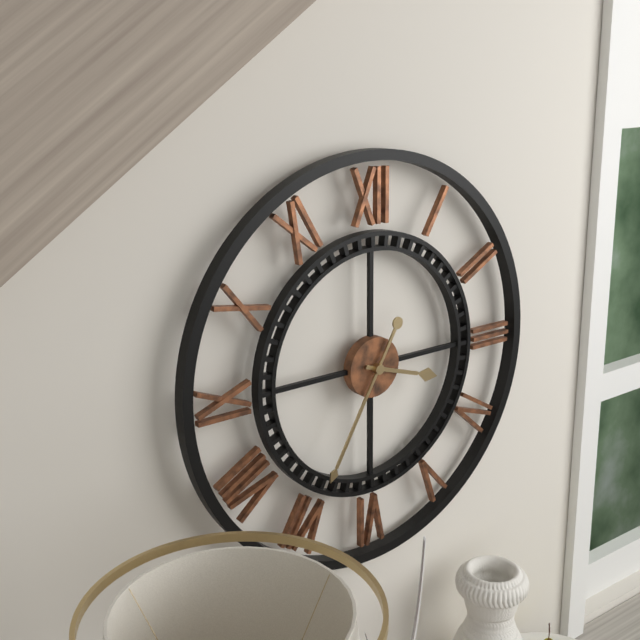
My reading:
3 h 35 min
